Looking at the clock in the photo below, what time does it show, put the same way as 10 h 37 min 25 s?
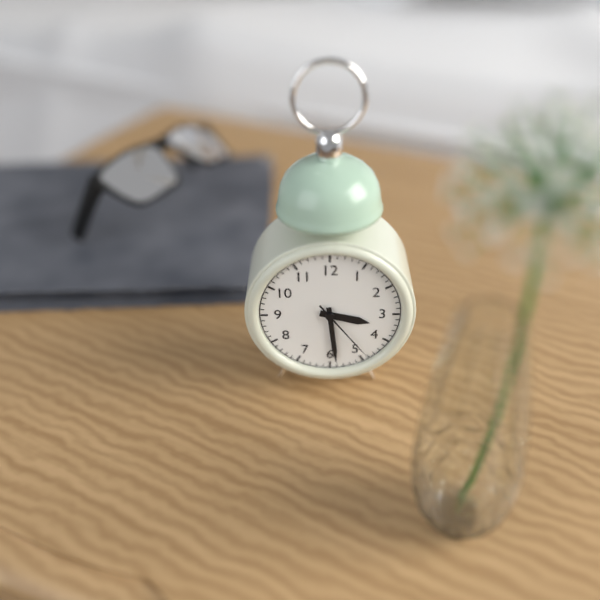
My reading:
3 h 29 min 24 s
